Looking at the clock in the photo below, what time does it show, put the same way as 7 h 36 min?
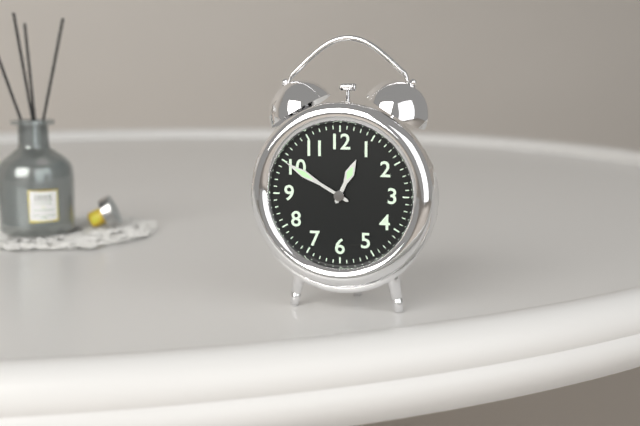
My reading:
12 h 50 min
